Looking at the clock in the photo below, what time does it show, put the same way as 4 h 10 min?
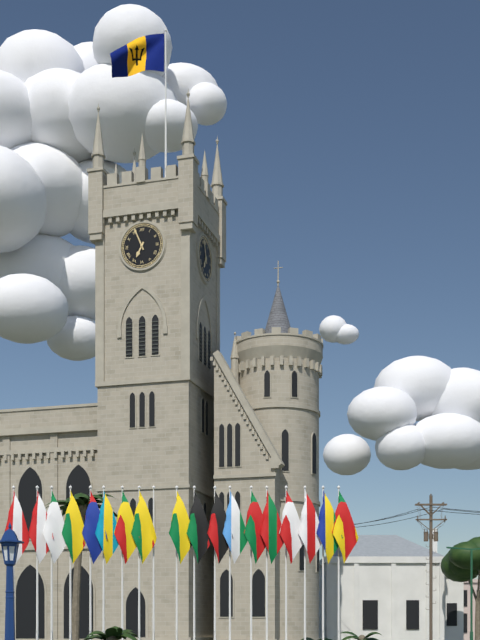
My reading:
6 h 56 min
